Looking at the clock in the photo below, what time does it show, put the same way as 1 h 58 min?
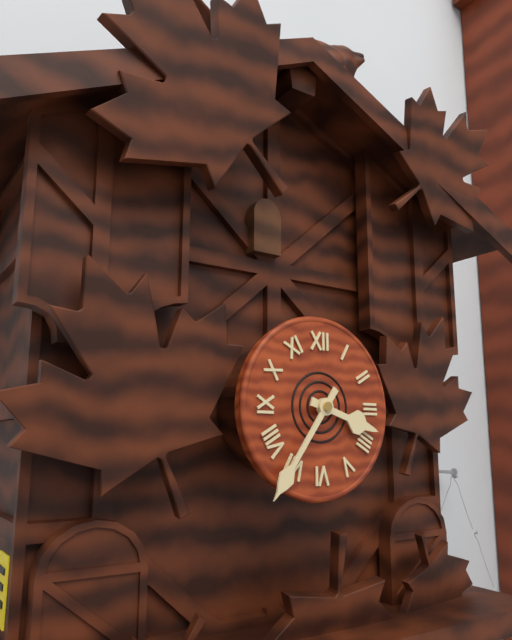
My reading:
3 h 36 min
